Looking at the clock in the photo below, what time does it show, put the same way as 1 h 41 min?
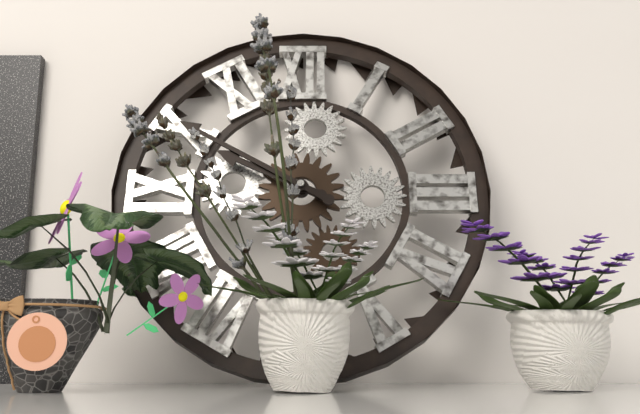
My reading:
9 h 50 min
